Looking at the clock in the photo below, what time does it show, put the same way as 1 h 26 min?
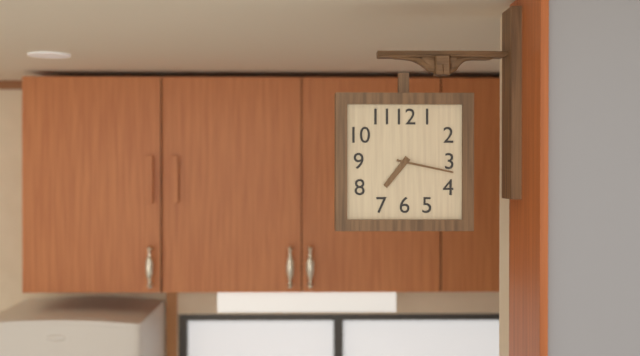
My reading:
7 h 17 min
